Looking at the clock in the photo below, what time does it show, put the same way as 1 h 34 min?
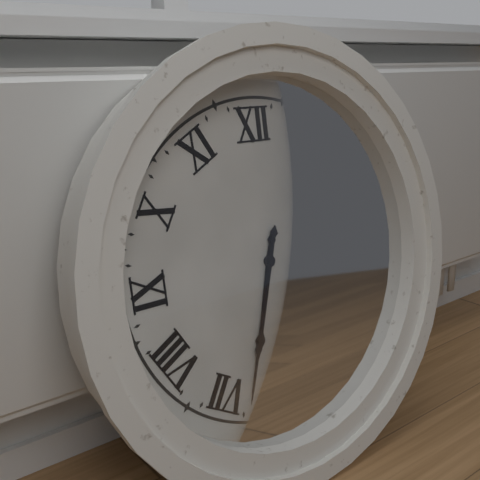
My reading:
6 h 33 min
